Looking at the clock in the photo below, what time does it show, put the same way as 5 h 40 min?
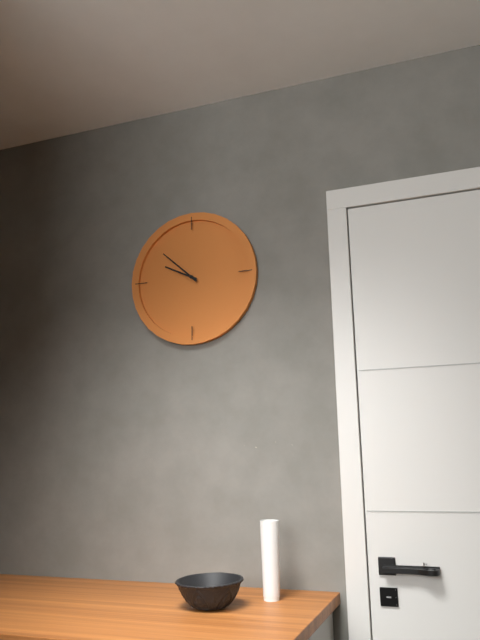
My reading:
9 h 52 min
